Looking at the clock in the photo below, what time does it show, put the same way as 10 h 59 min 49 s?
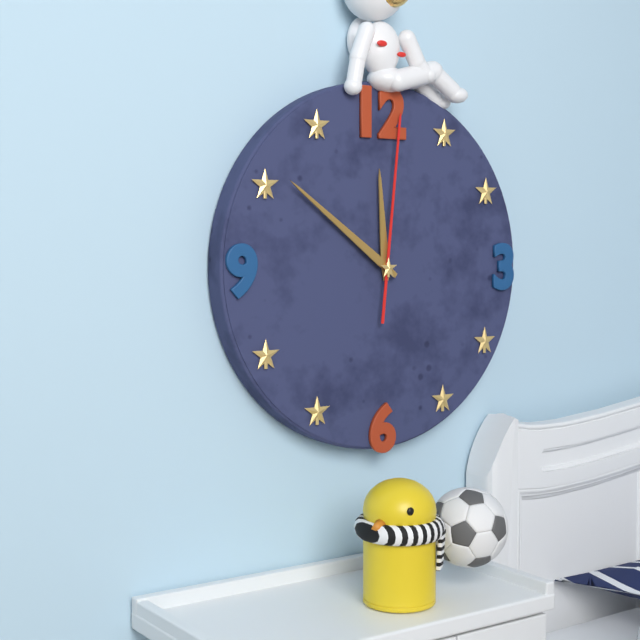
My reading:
11 h 51 min 01 s
